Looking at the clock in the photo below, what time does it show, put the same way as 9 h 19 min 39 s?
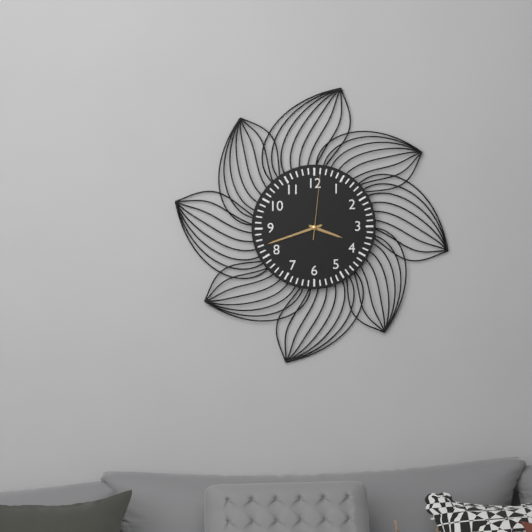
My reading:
3 h 42 min 01 s
